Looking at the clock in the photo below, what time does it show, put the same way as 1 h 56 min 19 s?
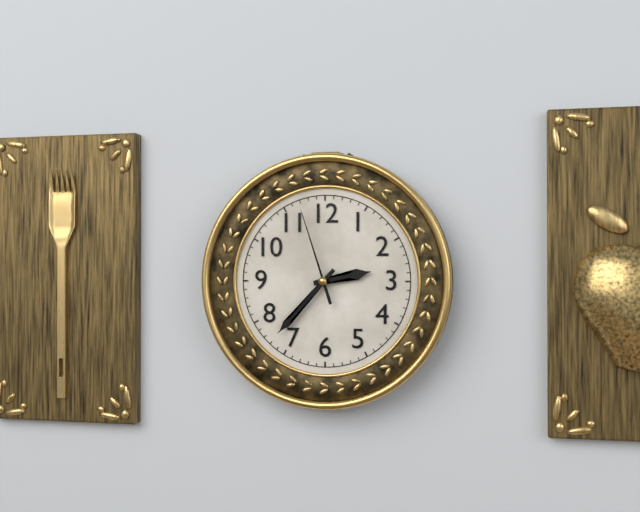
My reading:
2 h 37 min 57 s
